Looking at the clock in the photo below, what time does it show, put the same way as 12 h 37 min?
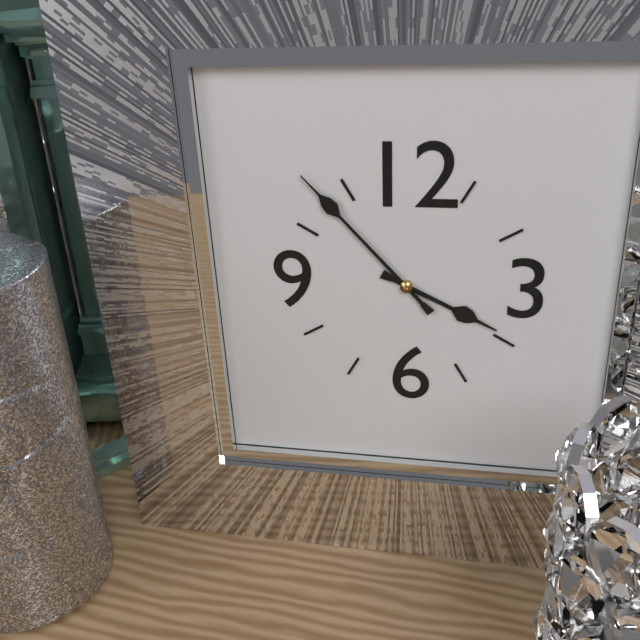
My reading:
3 h 53 min
